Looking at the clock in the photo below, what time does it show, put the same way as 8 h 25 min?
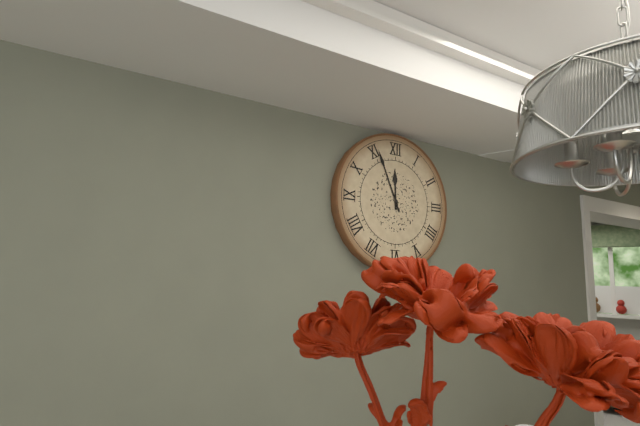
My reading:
11 h 56 min
